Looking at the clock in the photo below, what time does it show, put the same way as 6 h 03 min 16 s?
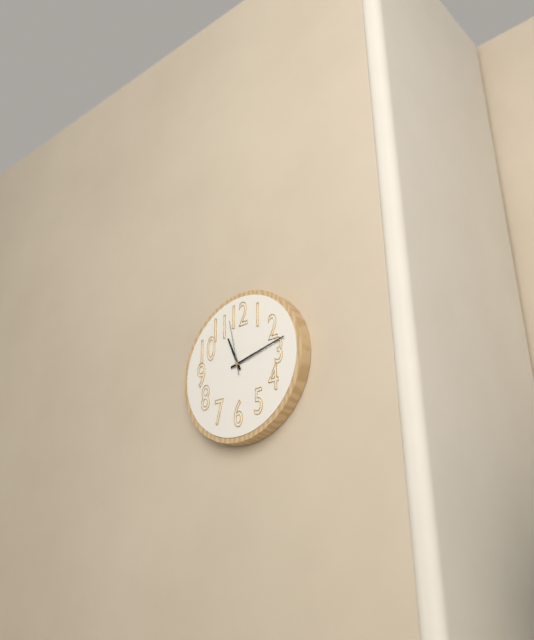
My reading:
11 h 13 min 58 s
